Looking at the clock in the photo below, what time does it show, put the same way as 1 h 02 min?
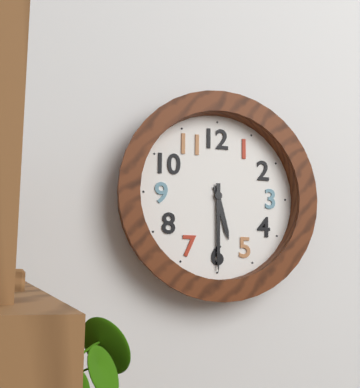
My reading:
5 h 30 min
